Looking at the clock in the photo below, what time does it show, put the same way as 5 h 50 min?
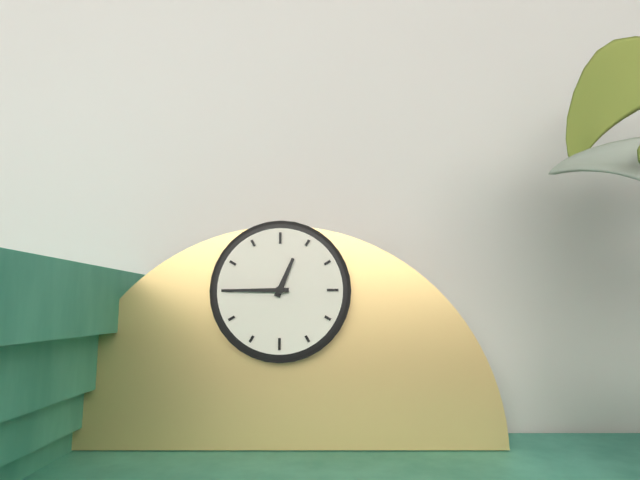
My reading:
12 h 45 min
